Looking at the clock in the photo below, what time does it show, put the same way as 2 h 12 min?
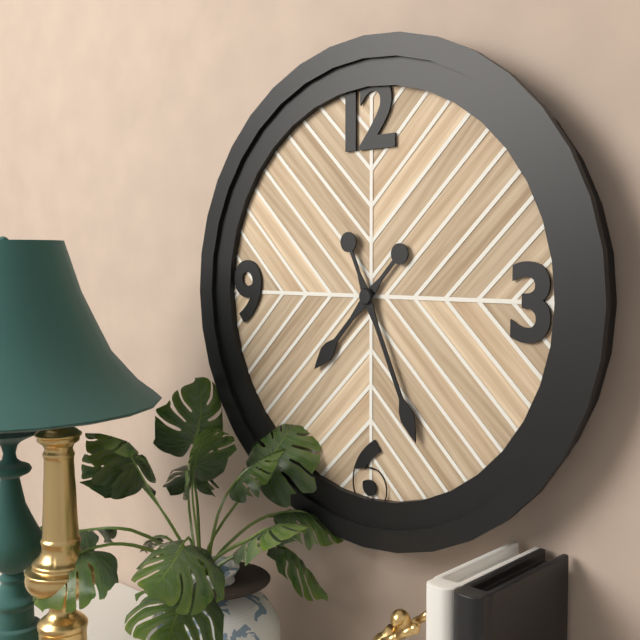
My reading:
7 h 26 min
